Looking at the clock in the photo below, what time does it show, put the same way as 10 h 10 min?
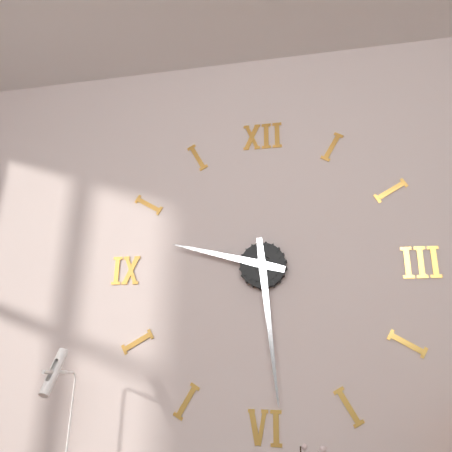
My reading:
9 h 29 min
